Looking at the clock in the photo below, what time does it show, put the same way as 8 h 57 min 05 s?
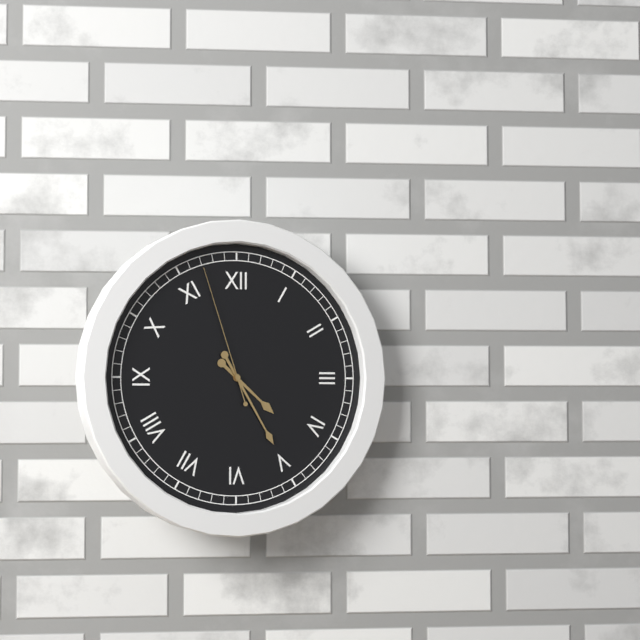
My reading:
4 h 25 min 57 s
